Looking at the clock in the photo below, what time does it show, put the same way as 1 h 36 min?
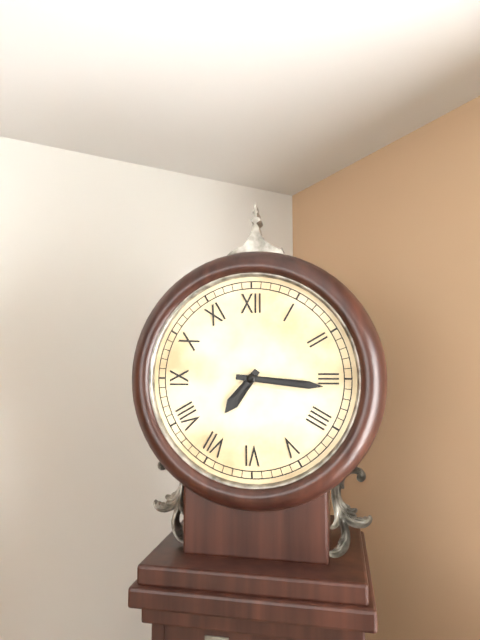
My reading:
7 h 16 min
